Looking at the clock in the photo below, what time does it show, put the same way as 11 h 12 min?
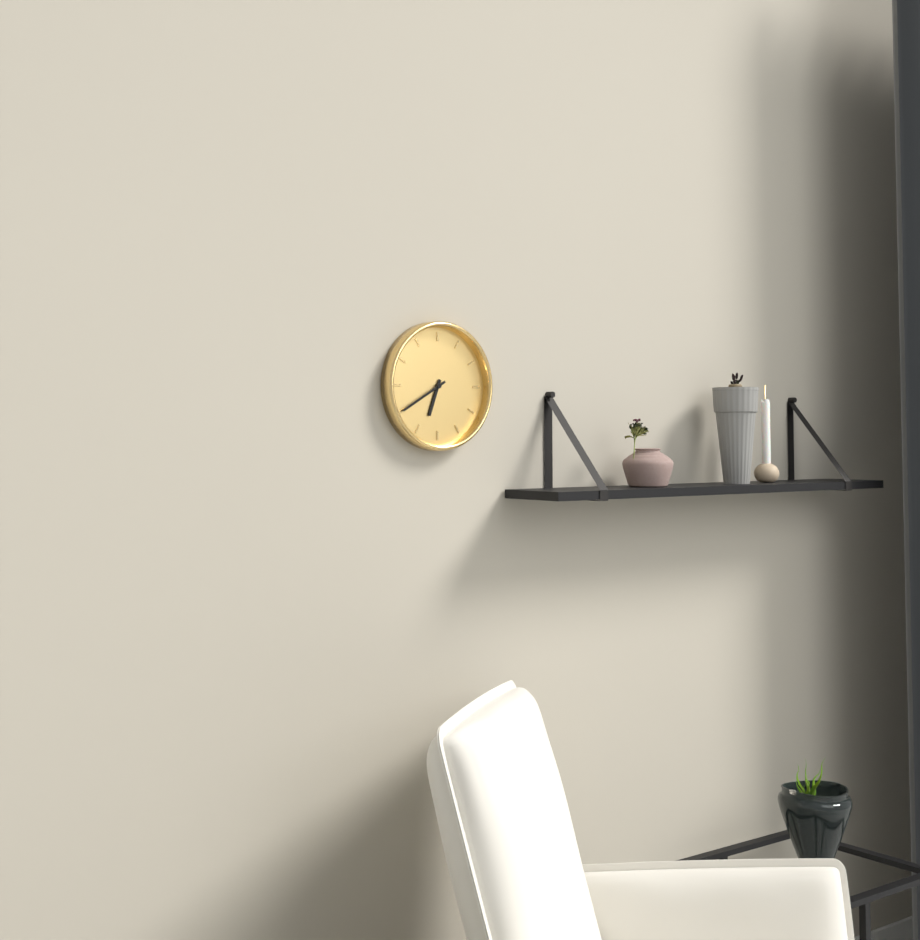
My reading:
6 h 40 min
